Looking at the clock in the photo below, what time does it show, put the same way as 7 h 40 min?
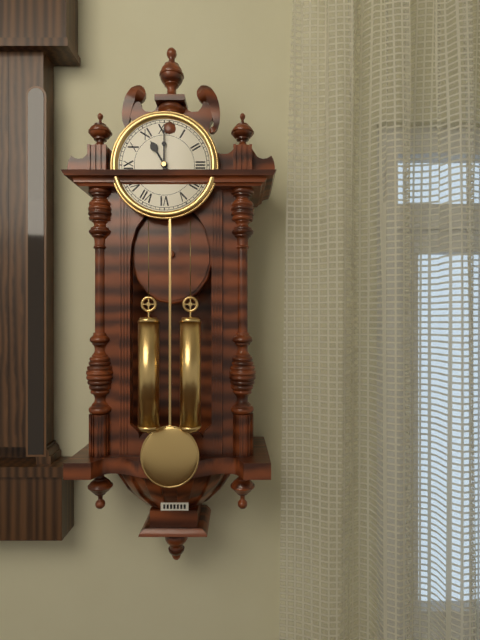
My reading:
11 h 00 min
